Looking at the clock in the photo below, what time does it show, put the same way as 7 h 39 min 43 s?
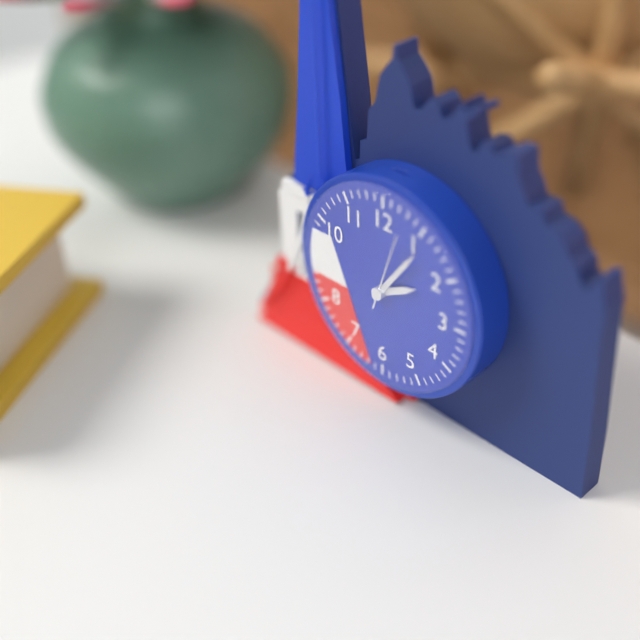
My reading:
2 h 06 min 03 s
